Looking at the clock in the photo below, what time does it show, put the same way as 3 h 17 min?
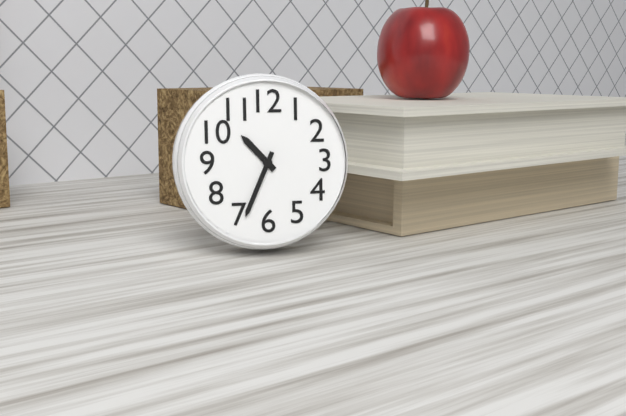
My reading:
10 h 34 min
